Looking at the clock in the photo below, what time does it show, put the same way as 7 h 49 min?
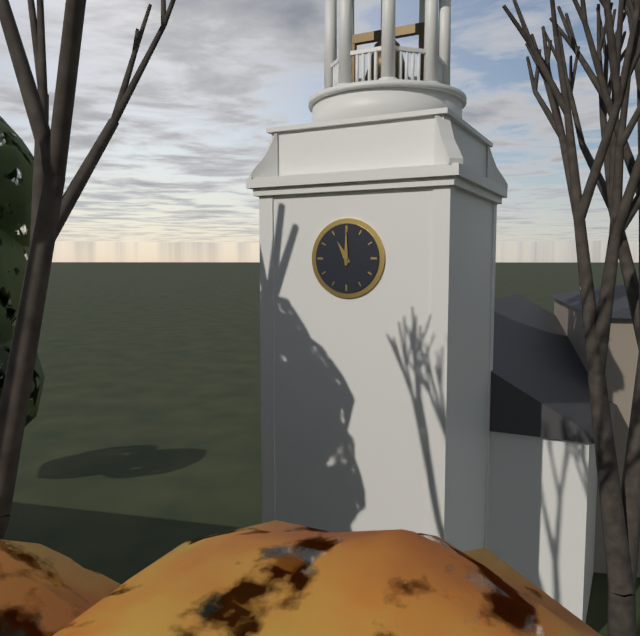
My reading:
11 h 00 min
